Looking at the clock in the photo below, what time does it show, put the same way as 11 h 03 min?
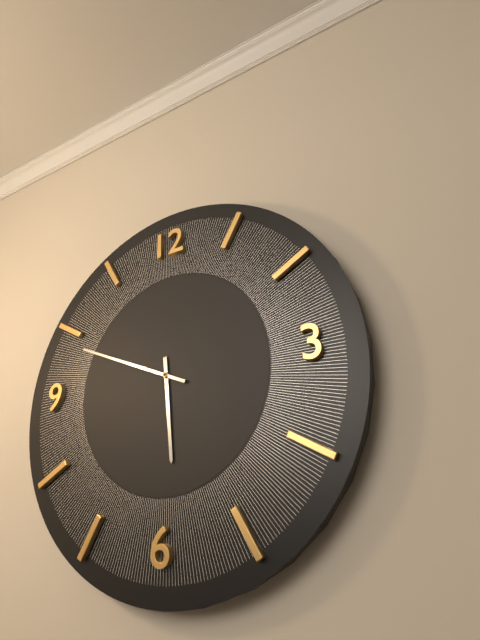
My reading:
5 h 49 min
